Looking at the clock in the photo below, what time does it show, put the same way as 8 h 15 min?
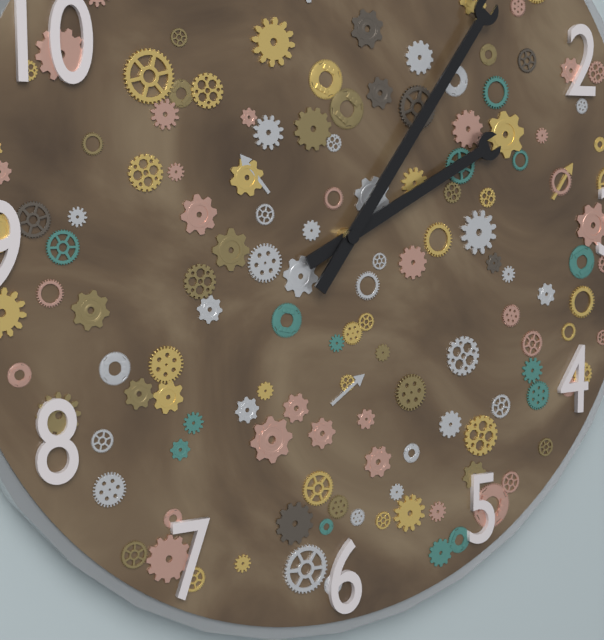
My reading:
2 h 06 min
